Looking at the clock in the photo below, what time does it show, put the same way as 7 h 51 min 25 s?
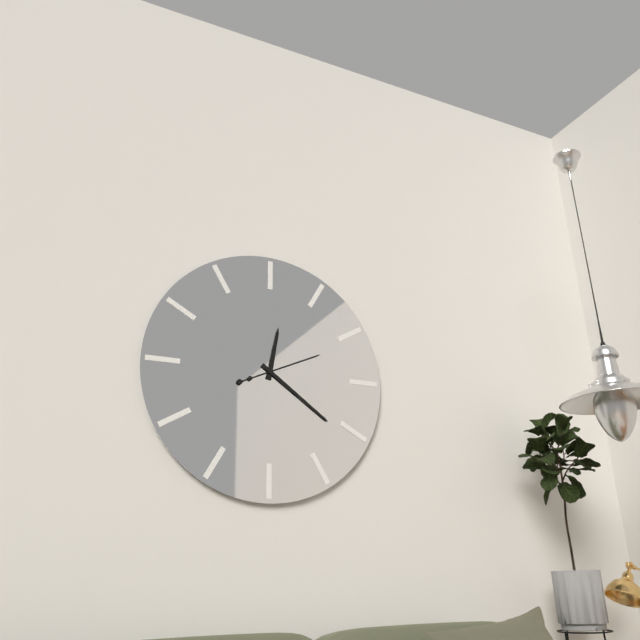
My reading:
12 h 21 min 11 s
